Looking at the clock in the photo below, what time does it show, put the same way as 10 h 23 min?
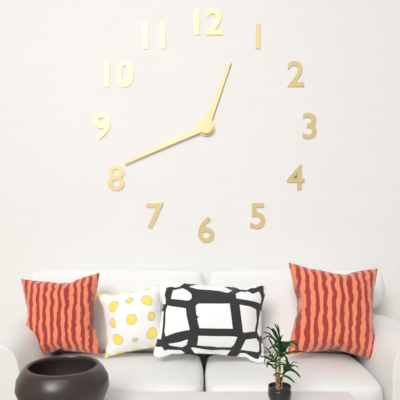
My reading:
12 h 41 min
